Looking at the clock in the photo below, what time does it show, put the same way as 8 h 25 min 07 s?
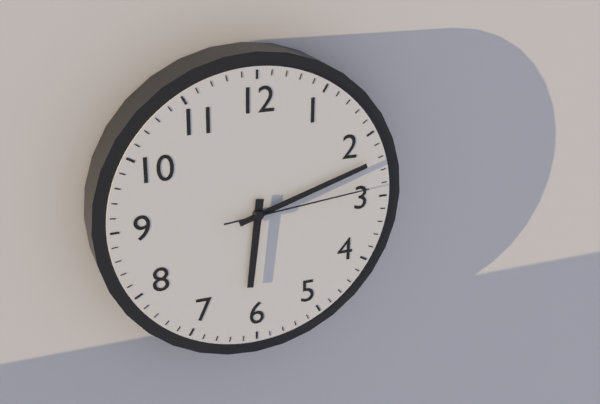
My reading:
6 h 12 min 14 s
